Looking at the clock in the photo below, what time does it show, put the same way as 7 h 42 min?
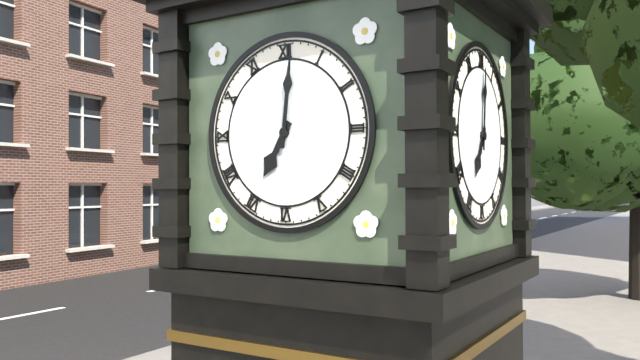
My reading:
7 h 01 min
